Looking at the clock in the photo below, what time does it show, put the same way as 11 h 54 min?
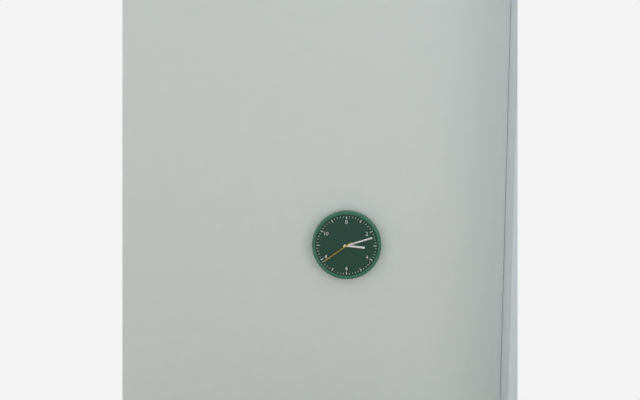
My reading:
3 h 12 min
